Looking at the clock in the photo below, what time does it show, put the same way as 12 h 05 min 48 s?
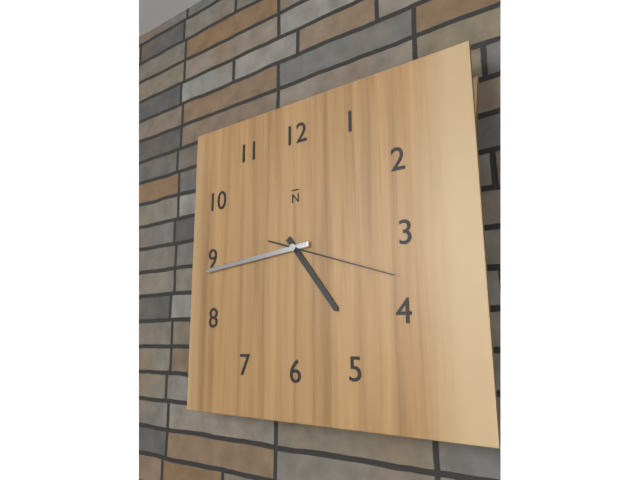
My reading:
4 h 44 min 18 s
